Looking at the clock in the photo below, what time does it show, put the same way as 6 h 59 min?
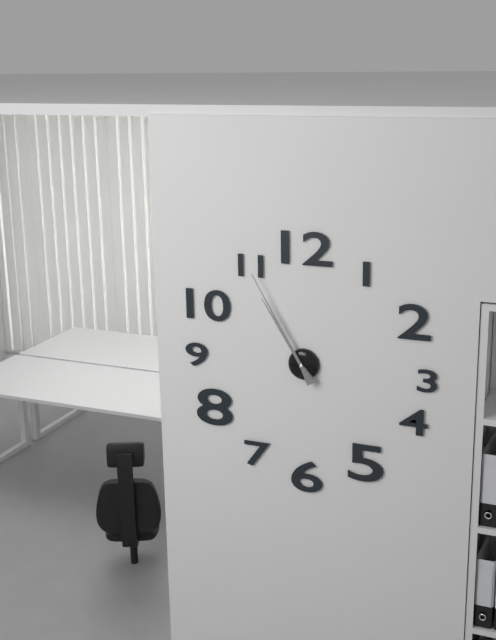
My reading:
10 h 55 min
